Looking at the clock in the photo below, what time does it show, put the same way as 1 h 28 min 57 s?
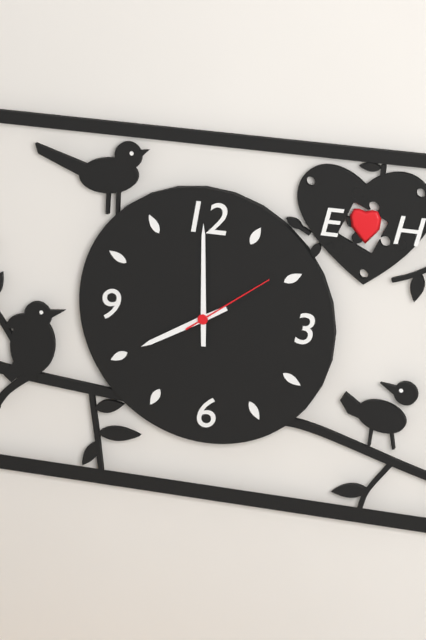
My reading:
8 h 00 min 09 s
